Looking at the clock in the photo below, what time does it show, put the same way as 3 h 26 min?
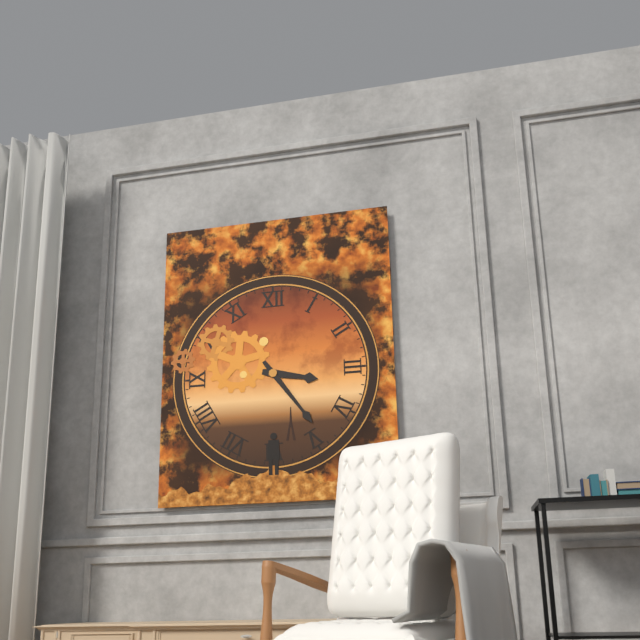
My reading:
3 h 24 min
